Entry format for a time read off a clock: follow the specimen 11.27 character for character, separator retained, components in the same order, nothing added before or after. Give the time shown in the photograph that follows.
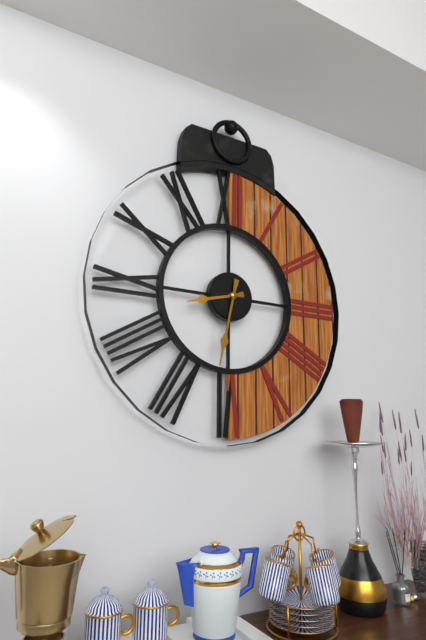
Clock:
8.32
